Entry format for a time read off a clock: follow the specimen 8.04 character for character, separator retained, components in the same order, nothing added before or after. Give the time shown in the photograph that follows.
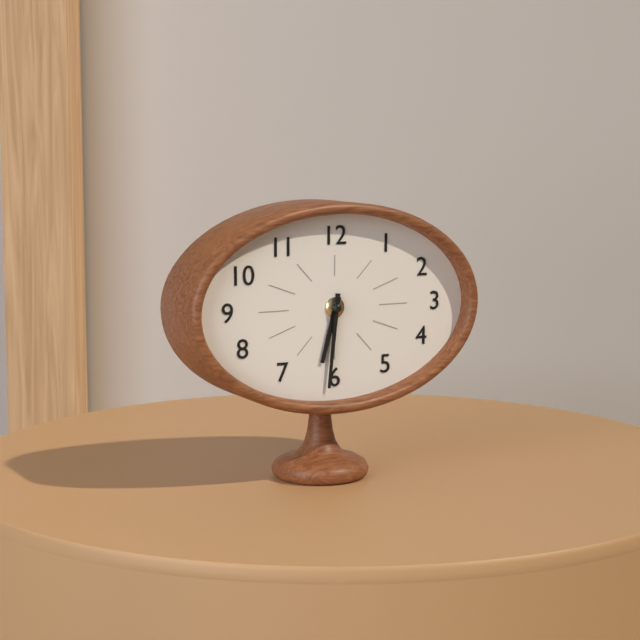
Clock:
6.31
